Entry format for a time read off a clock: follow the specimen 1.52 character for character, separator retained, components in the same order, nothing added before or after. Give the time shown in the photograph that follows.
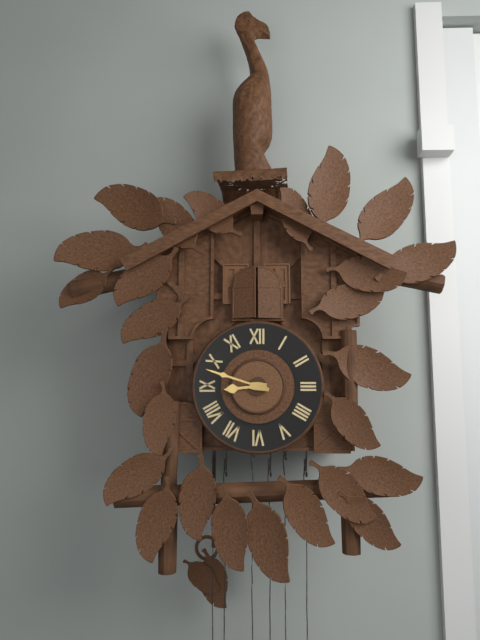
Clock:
8.48
